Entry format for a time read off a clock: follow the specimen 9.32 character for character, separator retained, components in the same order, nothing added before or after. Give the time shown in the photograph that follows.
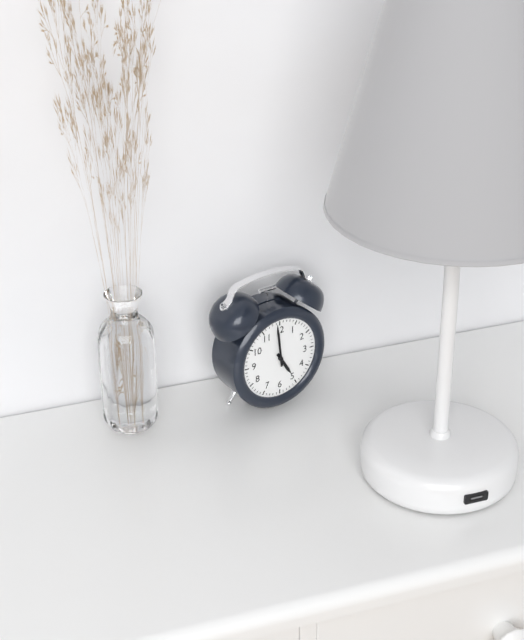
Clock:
4.59
